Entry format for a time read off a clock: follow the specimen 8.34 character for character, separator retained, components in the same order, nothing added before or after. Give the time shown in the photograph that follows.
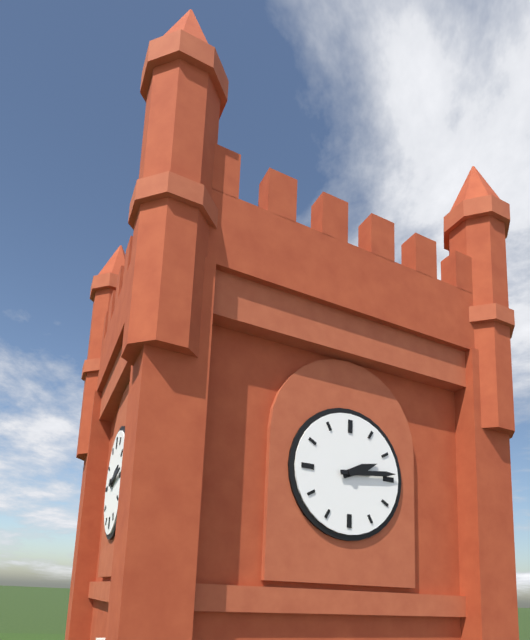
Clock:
2.14
